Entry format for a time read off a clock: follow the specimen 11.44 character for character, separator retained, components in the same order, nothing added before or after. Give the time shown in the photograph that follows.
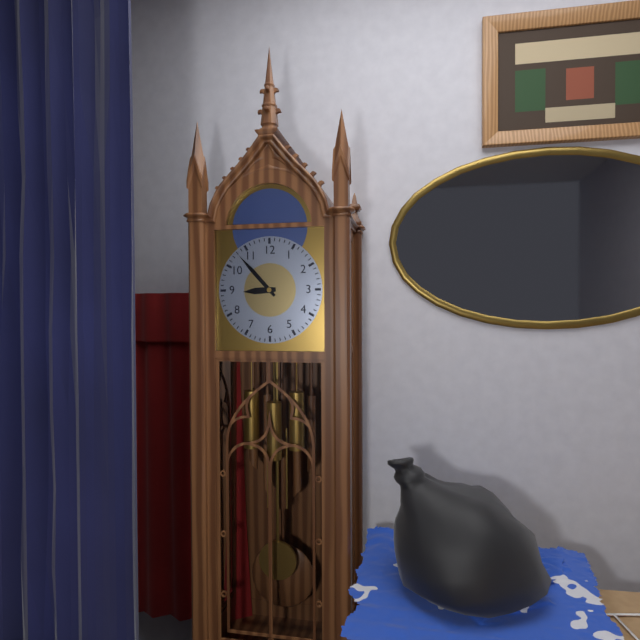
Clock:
8.53
